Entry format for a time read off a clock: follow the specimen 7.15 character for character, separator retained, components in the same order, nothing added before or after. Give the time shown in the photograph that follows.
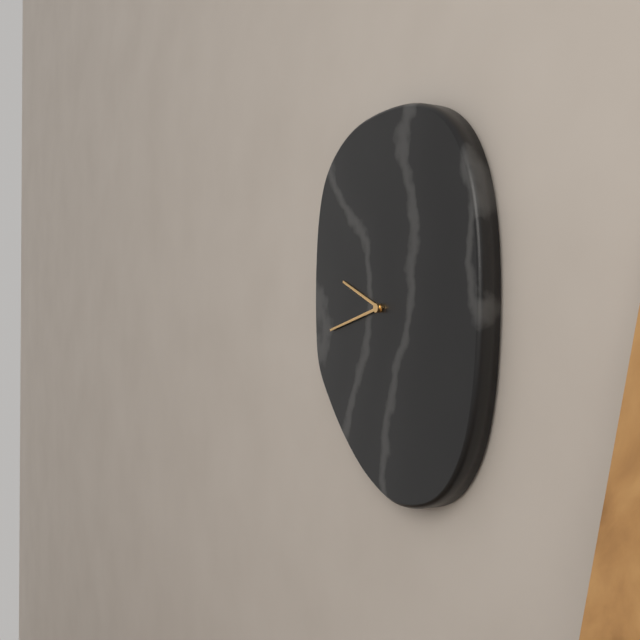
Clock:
9.43
